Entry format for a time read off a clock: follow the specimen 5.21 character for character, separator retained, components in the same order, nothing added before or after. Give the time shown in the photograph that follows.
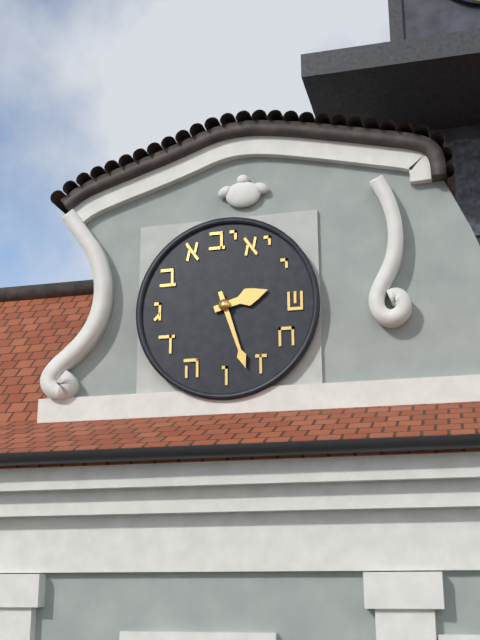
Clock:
2.27
